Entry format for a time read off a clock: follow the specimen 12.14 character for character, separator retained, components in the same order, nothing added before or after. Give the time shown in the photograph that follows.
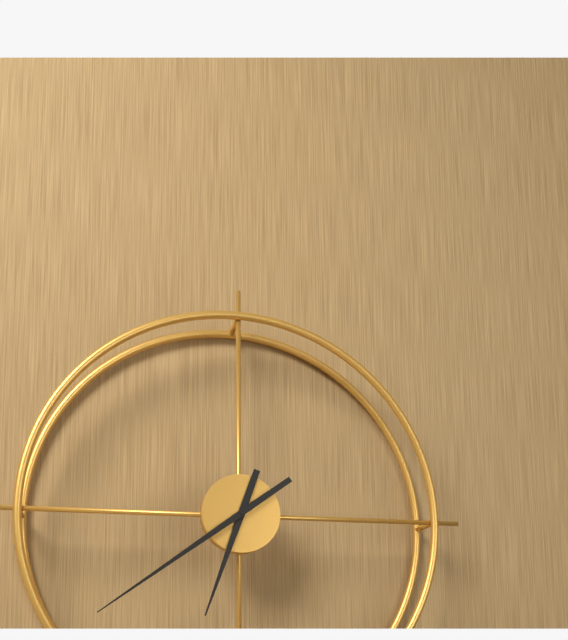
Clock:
6.39
